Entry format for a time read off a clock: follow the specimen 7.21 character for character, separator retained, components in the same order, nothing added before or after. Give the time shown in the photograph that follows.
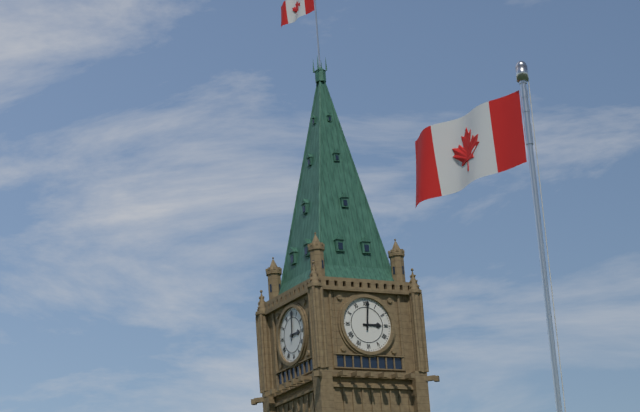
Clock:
3.01
